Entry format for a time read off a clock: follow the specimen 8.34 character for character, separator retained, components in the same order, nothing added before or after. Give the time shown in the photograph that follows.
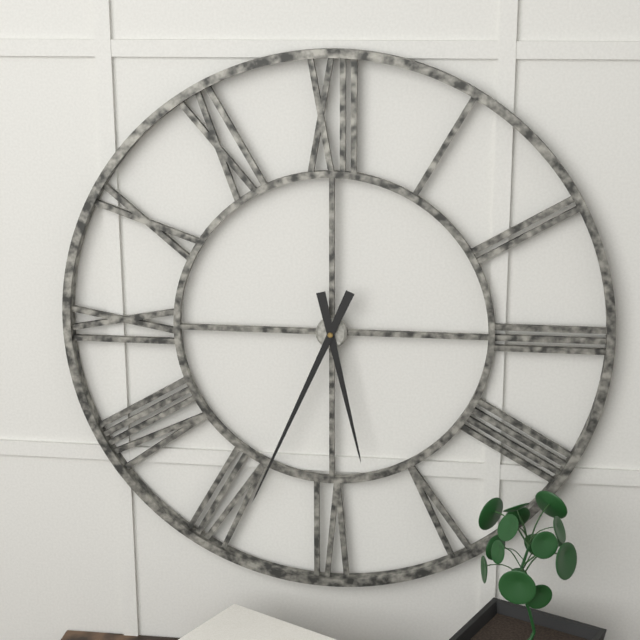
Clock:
5.34
